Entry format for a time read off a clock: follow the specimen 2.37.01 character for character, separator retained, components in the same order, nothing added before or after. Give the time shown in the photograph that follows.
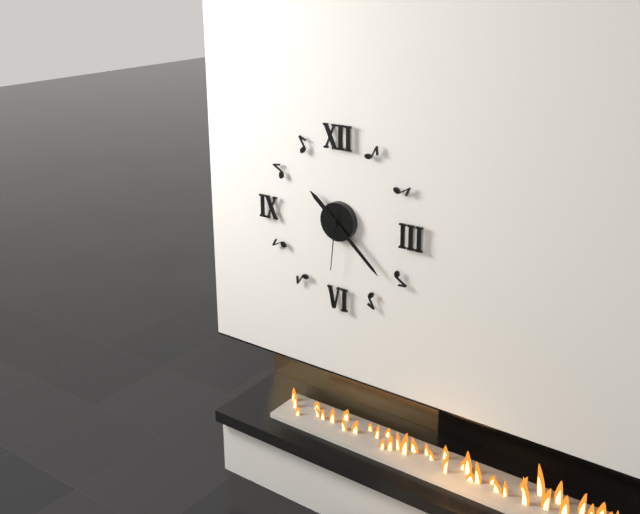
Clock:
10.22.31
